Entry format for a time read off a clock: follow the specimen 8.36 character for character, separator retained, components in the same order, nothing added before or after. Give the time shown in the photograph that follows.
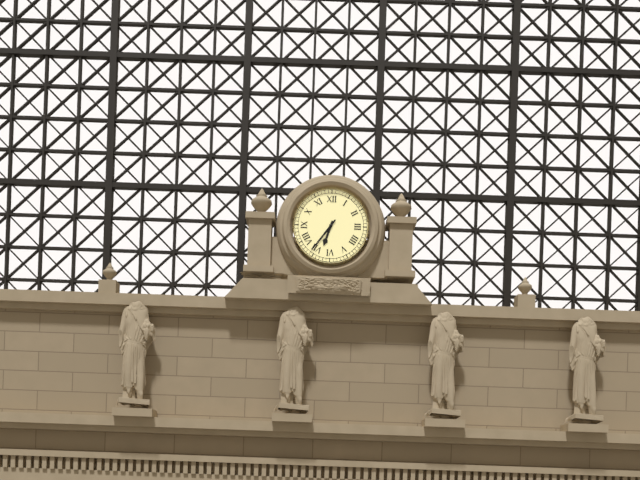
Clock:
6.36
